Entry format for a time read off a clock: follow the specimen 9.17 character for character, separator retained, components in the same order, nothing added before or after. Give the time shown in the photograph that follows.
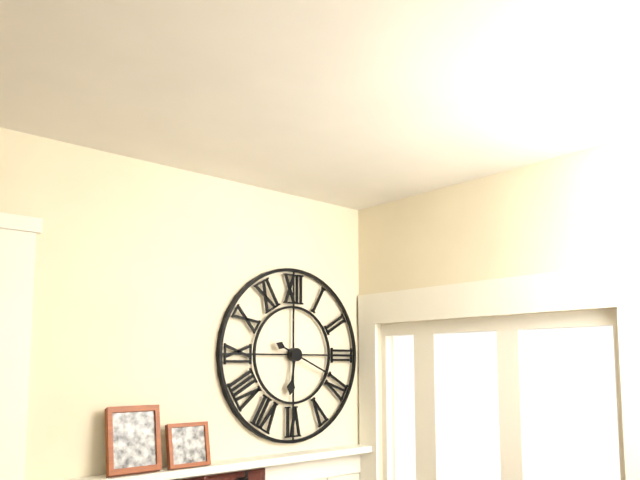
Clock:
6.19
